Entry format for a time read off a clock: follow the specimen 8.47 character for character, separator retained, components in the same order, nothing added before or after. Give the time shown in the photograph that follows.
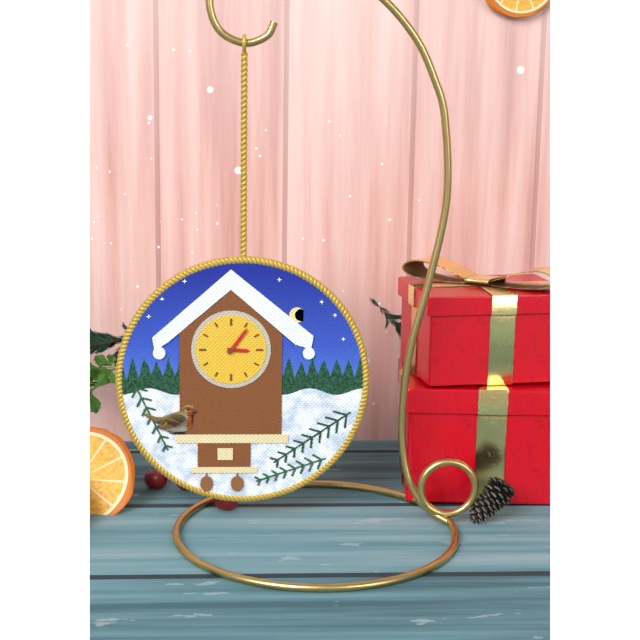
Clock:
3.06
